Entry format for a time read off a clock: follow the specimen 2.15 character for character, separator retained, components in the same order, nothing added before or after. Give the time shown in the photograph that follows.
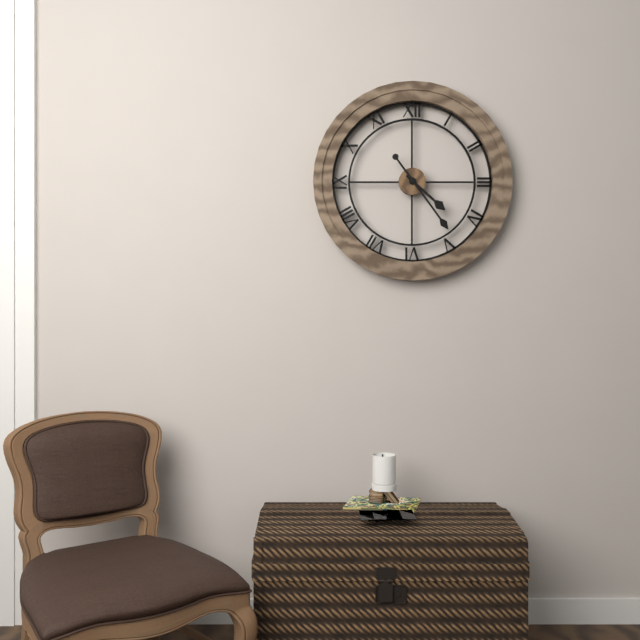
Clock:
4.24
